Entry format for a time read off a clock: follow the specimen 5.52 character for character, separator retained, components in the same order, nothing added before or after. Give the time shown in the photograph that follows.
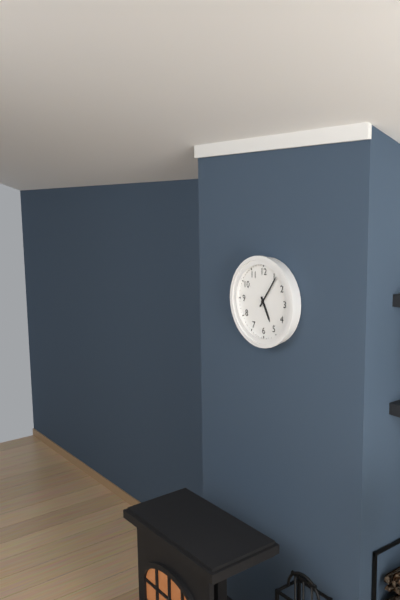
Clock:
5.06
